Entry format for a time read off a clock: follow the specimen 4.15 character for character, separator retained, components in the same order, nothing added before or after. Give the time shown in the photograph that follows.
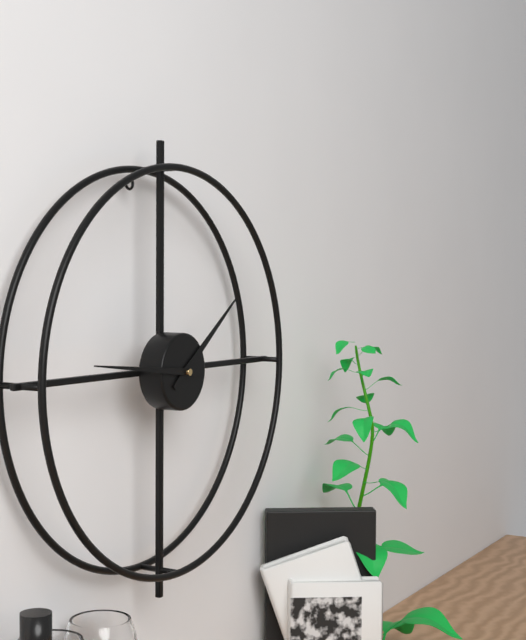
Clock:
1.46
